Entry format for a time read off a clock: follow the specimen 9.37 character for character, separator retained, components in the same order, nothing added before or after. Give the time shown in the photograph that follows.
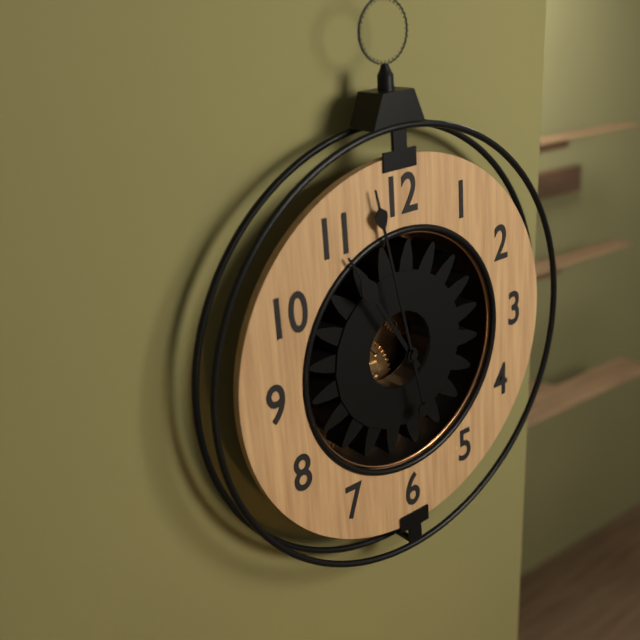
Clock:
10.58
